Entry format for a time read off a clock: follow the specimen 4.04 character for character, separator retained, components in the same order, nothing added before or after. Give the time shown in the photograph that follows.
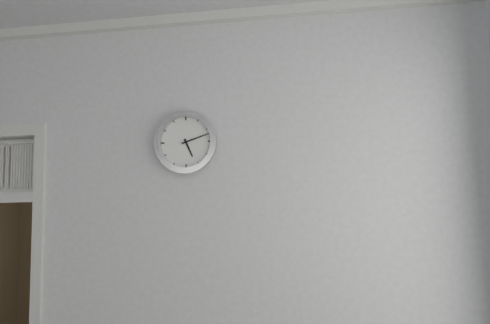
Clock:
5.12
